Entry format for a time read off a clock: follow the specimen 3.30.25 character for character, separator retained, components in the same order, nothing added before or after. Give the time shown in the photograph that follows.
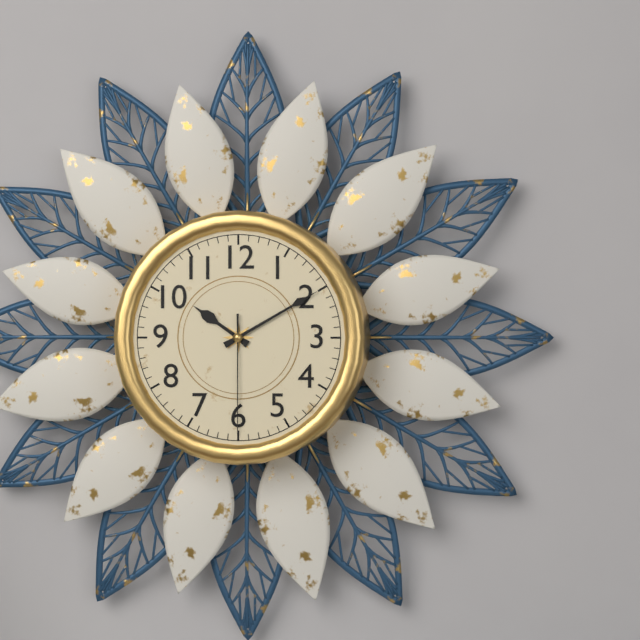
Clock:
10.10.30
